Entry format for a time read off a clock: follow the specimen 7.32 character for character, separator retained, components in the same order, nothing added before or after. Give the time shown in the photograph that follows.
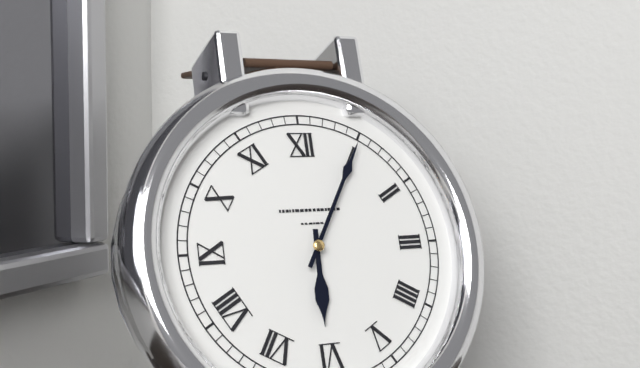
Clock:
6.05
